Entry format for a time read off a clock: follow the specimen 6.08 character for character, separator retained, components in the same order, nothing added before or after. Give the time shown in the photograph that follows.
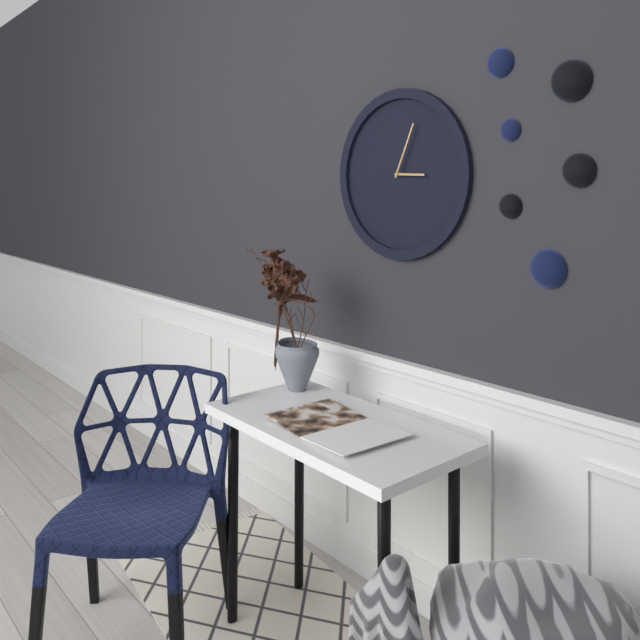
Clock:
3.04
